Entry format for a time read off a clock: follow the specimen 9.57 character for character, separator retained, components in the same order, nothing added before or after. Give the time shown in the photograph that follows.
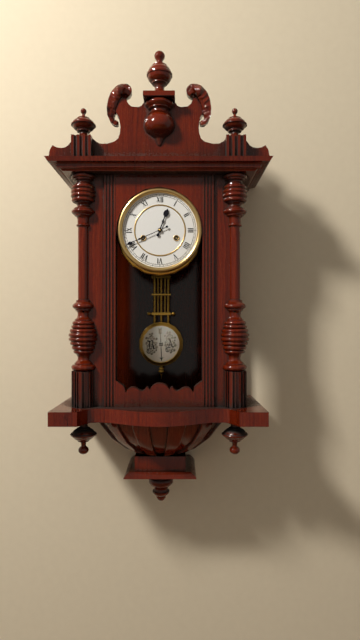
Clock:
12.41
